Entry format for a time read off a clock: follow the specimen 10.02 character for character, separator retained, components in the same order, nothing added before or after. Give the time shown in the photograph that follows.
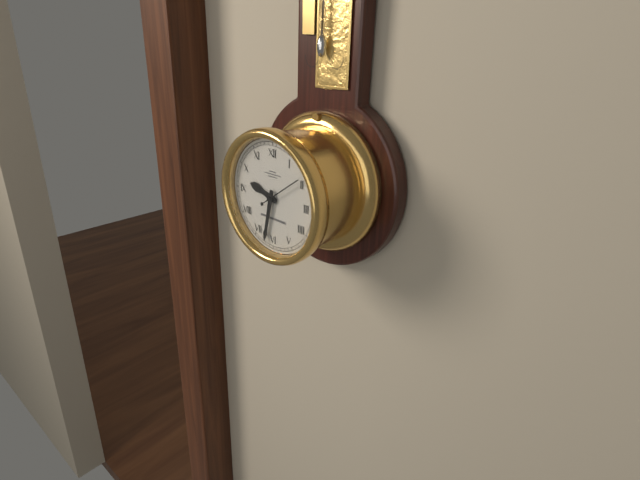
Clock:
9.32
